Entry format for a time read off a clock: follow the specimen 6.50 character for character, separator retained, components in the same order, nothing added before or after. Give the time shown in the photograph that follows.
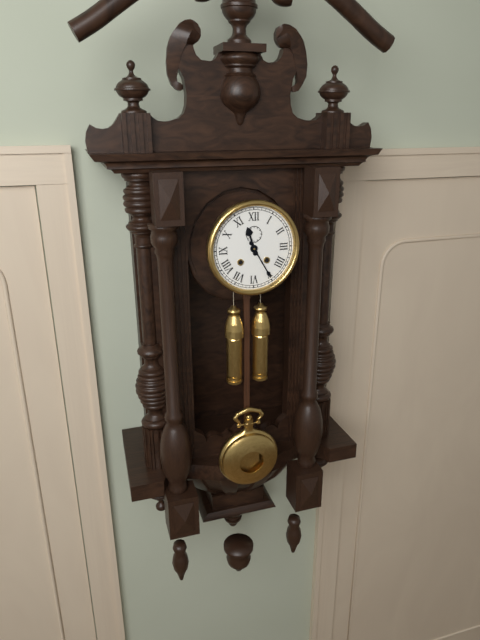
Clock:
11.25
